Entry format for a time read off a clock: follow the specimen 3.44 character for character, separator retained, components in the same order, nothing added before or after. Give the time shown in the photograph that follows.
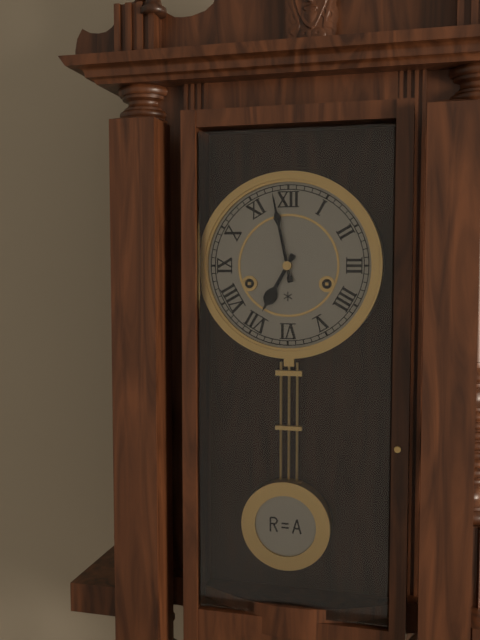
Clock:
6.58
